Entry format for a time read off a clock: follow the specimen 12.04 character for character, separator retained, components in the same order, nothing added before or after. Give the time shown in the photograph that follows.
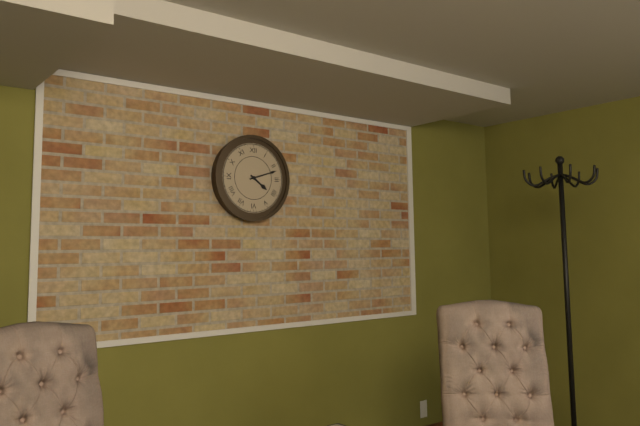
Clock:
4.12
